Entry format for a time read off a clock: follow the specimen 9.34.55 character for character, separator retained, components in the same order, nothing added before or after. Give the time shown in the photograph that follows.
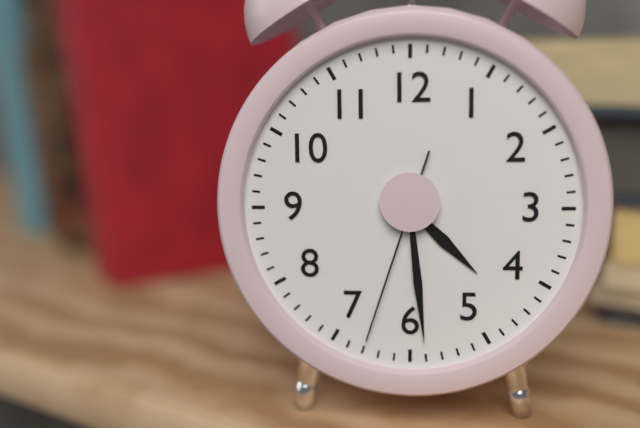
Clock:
4.29.33
